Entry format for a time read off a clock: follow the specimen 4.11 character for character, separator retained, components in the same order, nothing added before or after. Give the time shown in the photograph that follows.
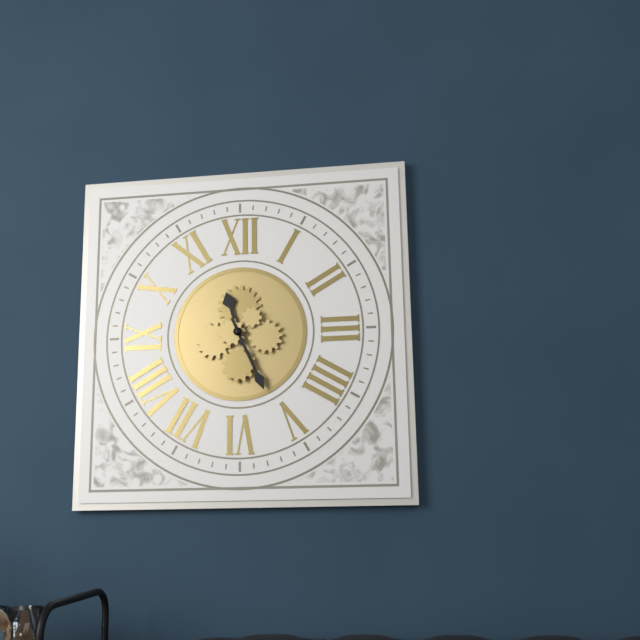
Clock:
11.26
